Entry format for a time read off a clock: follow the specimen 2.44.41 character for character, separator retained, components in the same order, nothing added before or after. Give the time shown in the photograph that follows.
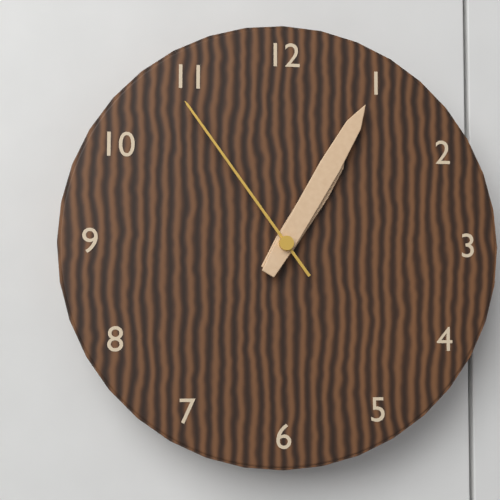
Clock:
1.05.54
